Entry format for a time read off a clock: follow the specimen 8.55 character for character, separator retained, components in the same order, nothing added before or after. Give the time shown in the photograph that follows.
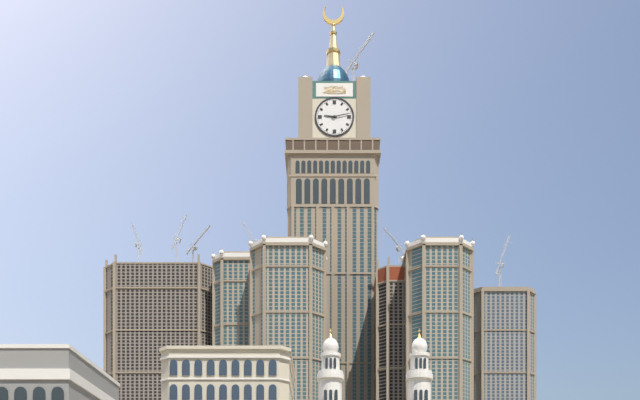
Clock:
9.13
